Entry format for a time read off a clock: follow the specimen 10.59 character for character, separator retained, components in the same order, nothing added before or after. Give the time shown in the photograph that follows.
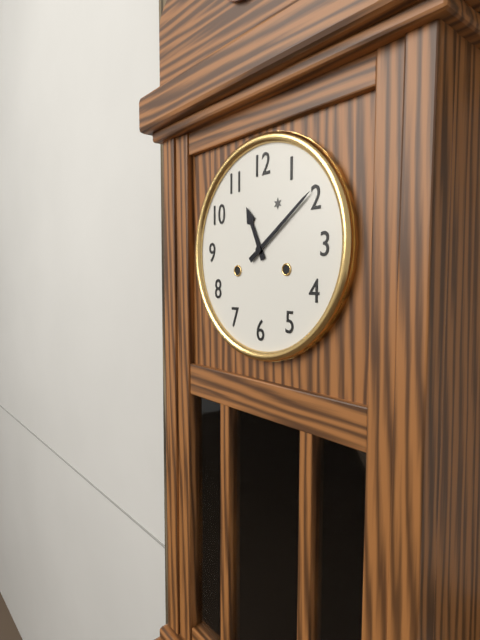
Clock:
11.09
